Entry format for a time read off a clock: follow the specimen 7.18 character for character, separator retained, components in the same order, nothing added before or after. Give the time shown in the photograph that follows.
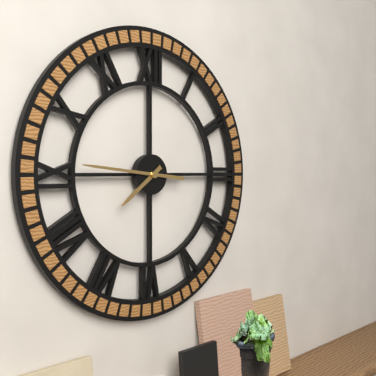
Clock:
7.46
